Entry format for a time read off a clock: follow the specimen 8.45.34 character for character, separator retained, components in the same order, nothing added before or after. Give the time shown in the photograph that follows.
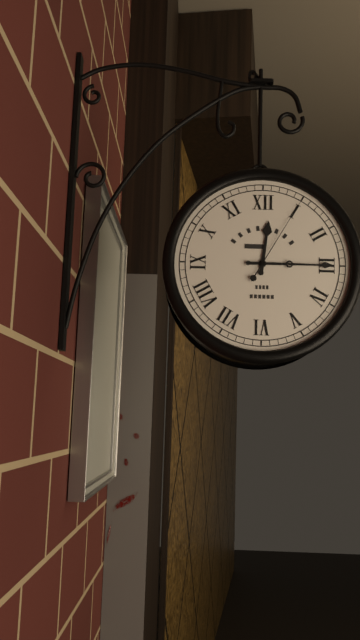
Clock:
12.15.05
